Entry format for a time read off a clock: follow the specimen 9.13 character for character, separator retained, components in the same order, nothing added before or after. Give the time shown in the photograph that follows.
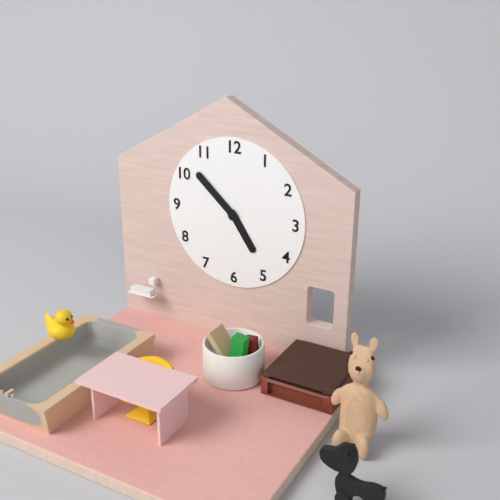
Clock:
4.52
